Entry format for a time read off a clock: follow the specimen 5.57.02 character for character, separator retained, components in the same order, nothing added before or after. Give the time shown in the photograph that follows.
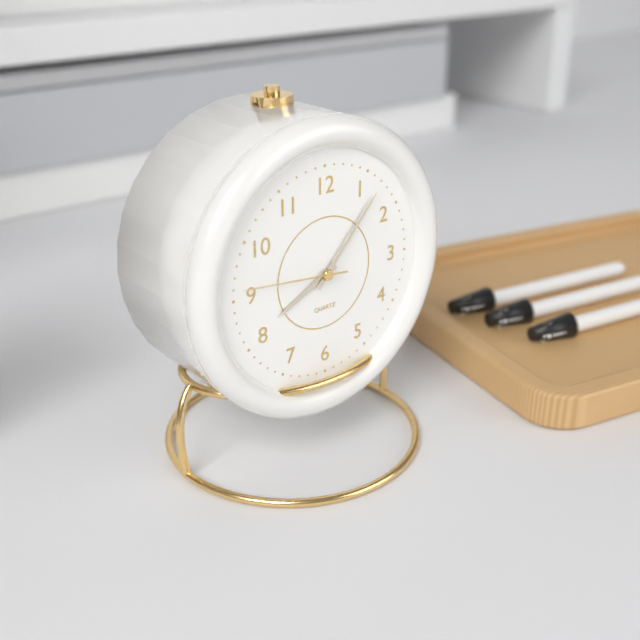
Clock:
8.07.46
